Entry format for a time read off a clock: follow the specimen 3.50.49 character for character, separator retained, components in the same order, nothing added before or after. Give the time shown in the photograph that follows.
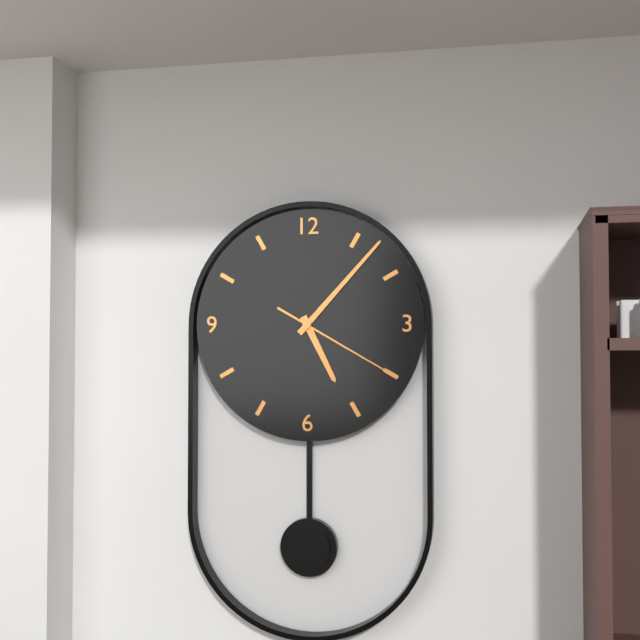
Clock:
5.07.20
